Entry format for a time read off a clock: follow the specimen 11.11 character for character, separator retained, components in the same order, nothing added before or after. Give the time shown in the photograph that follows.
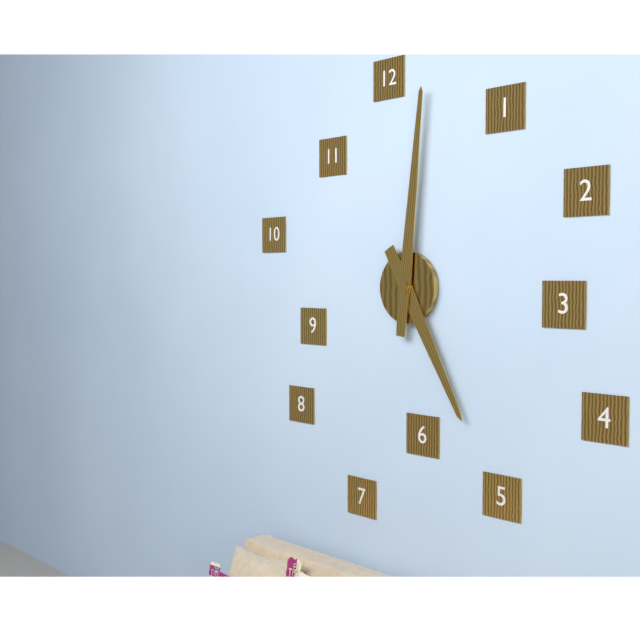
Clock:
5.01
